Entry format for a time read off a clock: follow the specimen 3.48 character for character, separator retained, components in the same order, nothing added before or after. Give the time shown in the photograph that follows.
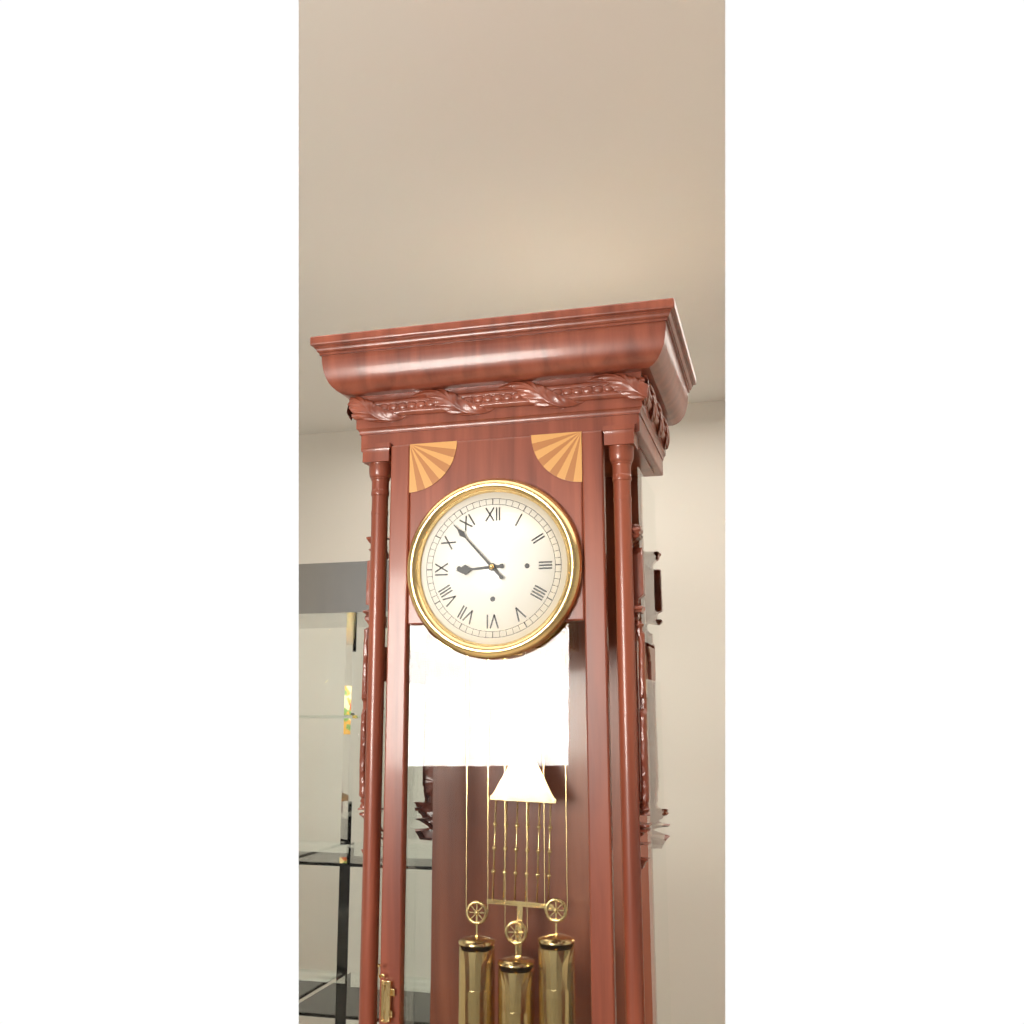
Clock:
8.53
